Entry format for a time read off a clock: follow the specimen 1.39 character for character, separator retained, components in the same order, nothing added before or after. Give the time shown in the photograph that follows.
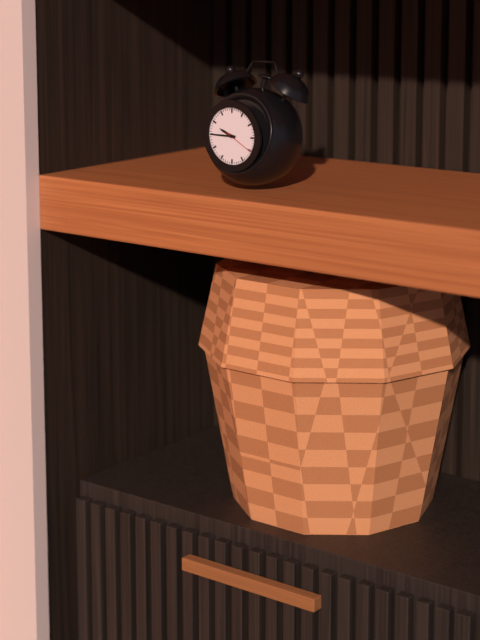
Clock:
9.45
